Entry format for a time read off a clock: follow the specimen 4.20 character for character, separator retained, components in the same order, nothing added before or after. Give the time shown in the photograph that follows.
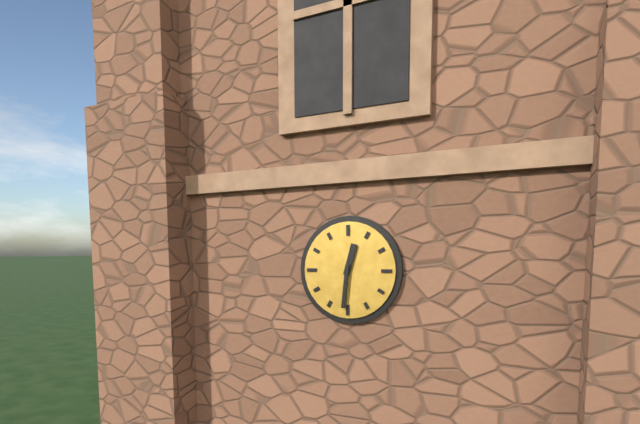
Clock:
12.31
